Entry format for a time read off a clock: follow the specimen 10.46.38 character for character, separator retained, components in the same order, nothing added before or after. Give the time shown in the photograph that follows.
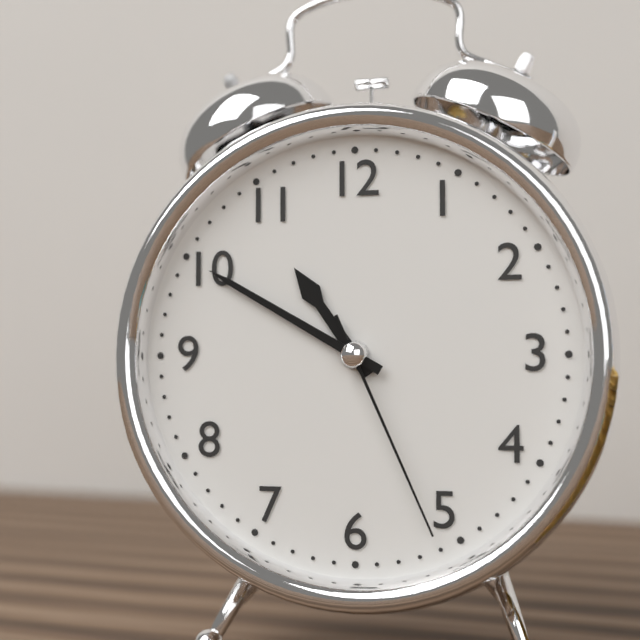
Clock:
10.50.26
